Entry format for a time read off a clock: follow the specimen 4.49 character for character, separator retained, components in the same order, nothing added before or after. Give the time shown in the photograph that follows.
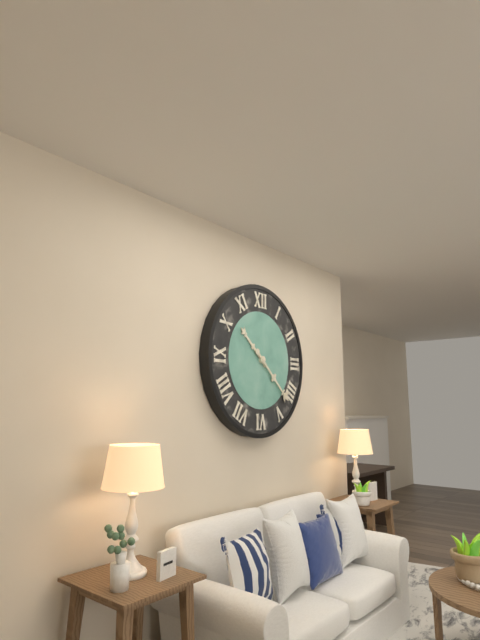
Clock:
10.22
